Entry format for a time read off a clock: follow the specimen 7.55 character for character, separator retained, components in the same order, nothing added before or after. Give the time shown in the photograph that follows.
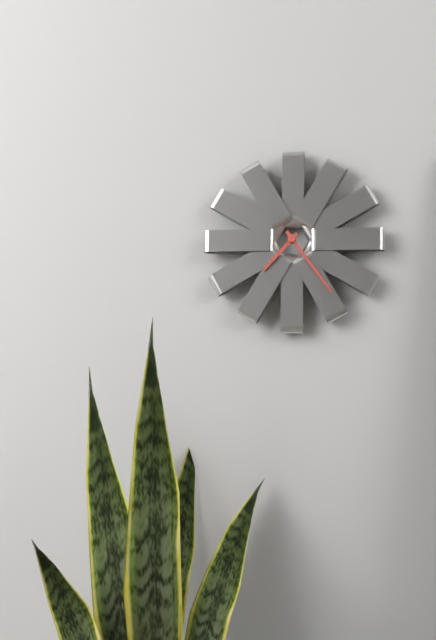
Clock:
7.24
